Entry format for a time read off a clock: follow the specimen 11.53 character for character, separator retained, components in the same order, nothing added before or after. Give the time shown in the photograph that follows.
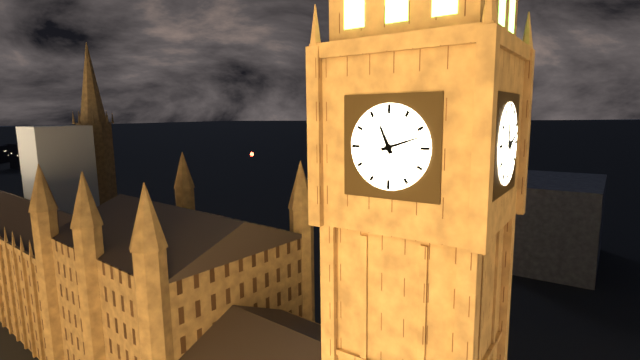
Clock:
11.12
